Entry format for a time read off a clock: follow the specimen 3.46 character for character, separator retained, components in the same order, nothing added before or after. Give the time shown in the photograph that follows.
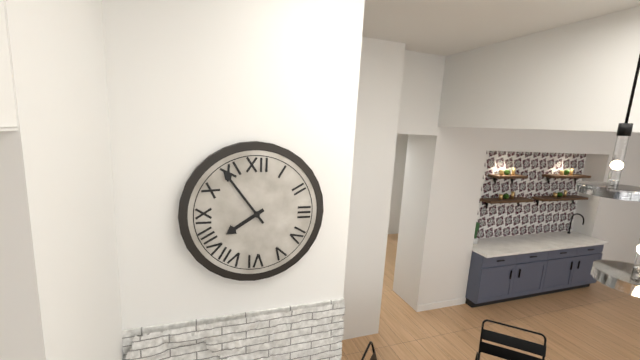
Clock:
7.54
